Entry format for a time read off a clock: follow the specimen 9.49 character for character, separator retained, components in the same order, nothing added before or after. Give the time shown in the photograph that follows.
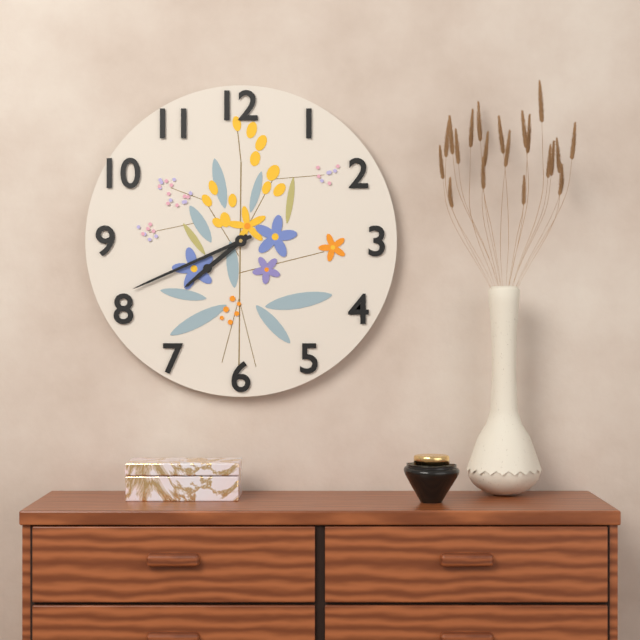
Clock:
7.41
